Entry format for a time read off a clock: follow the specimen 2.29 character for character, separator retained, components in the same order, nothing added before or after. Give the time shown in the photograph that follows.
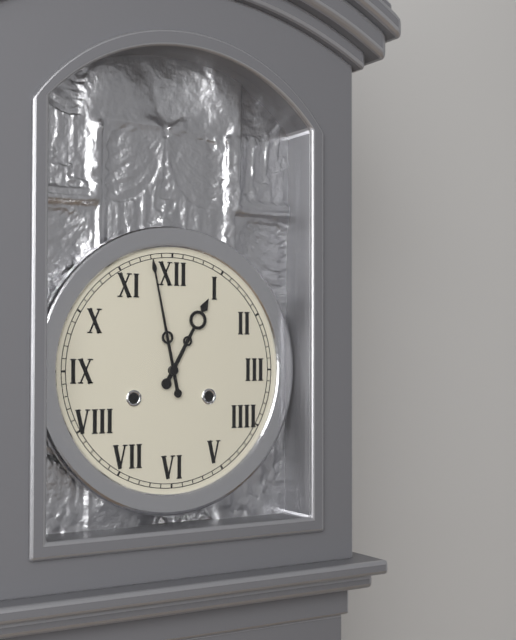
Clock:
12.58
